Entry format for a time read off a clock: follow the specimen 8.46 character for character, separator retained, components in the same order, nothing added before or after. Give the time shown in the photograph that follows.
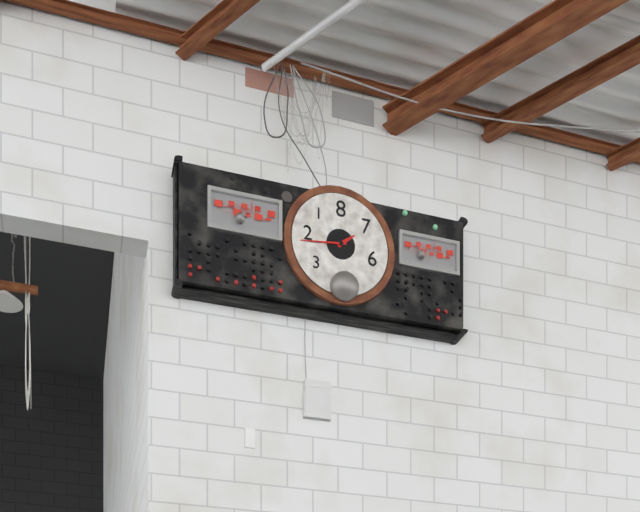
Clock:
1.44
